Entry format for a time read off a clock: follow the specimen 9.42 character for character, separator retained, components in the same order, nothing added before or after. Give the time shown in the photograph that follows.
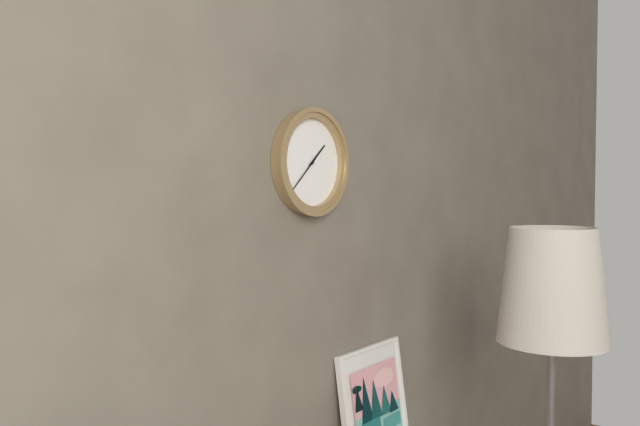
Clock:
1.38
